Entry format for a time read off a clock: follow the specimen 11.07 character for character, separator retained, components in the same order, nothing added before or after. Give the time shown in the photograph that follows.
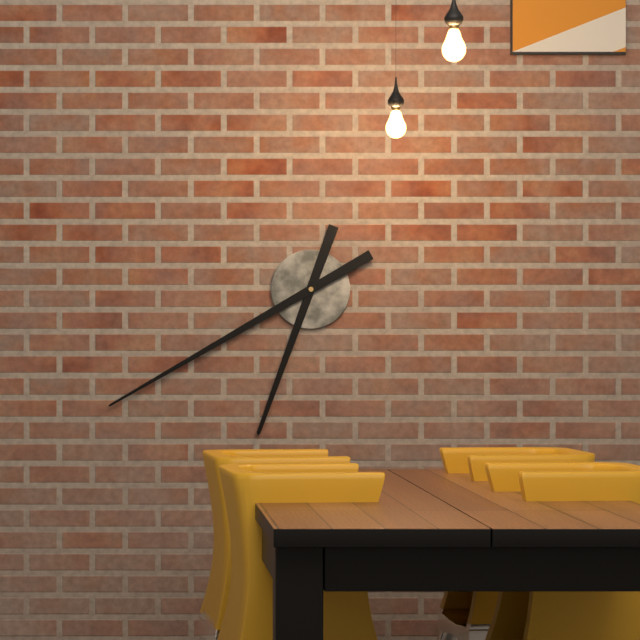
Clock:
6.40
